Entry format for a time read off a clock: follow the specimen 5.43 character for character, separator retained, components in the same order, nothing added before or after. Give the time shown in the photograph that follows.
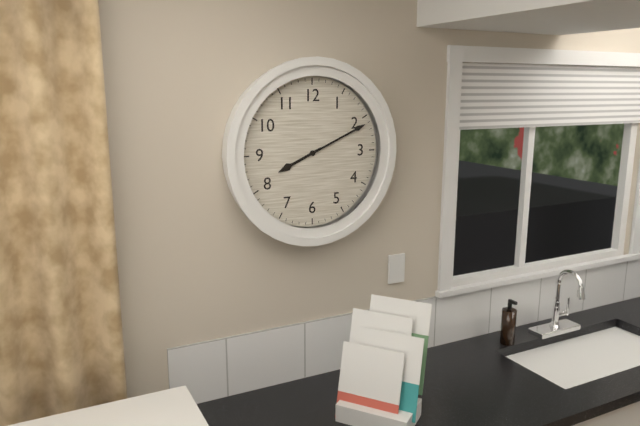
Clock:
8.11
